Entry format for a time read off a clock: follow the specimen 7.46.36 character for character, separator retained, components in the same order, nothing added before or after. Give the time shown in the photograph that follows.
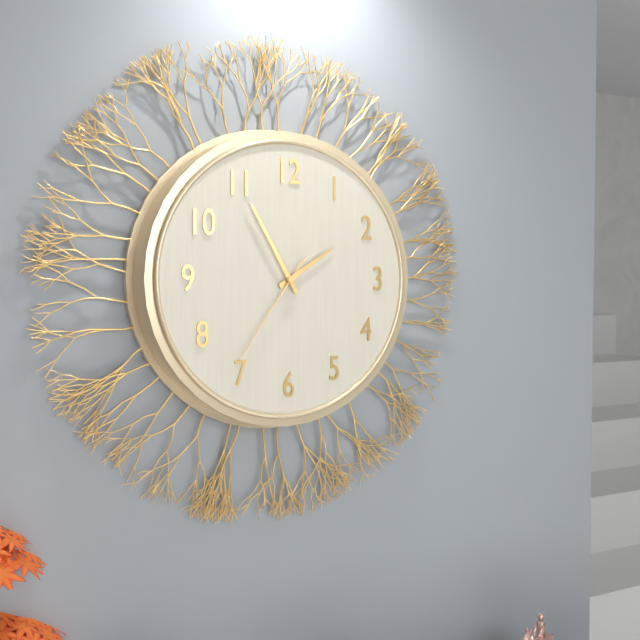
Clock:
1.55.36
